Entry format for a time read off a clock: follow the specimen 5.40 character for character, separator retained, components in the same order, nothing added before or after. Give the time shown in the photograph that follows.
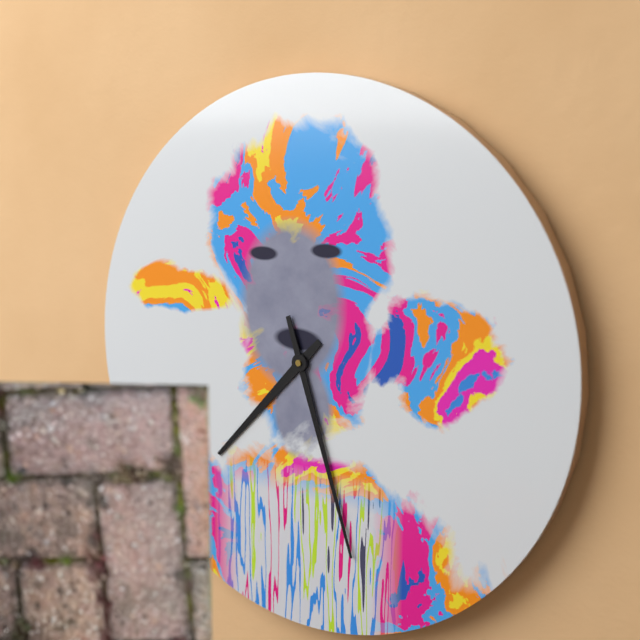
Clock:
7.27
